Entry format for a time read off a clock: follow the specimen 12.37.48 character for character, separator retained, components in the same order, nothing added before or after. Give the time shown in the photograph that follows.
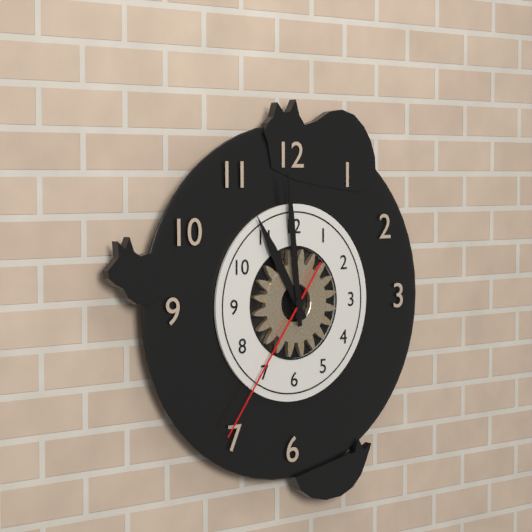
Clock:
10.59.36
